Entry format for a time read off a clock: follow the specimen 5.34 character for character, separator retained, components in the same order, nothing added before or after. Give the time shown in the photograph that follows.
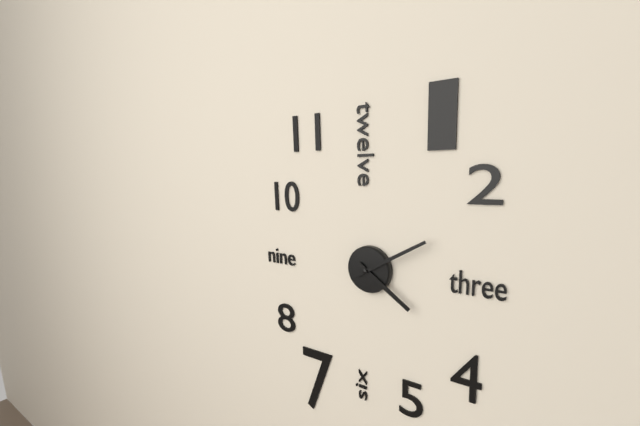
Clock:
4.10
